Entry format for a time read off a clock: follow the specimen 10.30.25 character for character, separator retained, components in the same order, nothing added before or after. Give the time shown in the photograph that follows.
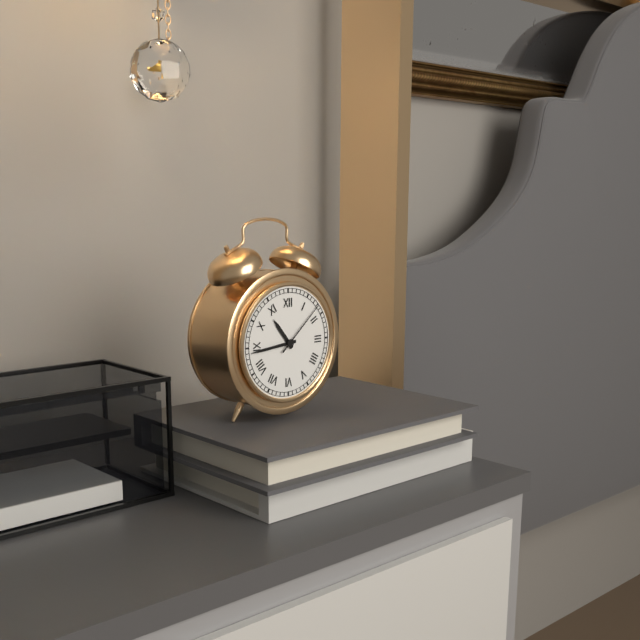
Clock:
10.44.08
